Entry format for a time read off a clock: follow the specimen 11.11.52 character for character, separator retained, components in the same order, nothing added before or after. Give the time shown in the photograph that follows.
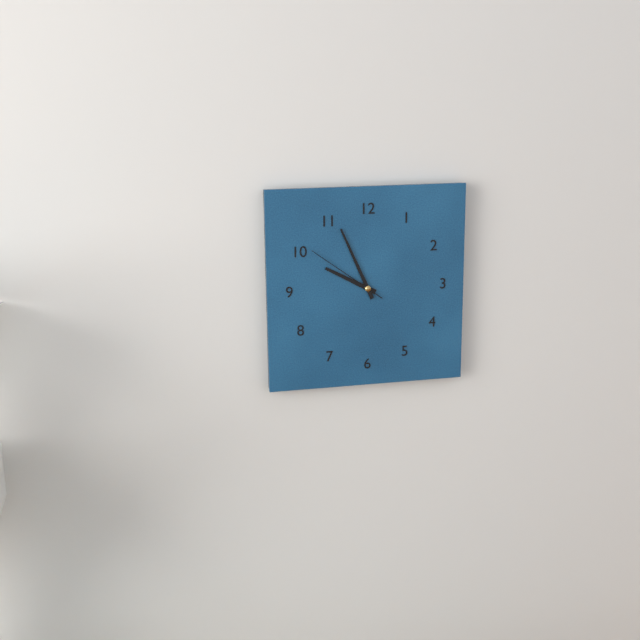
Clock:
9.56.51
